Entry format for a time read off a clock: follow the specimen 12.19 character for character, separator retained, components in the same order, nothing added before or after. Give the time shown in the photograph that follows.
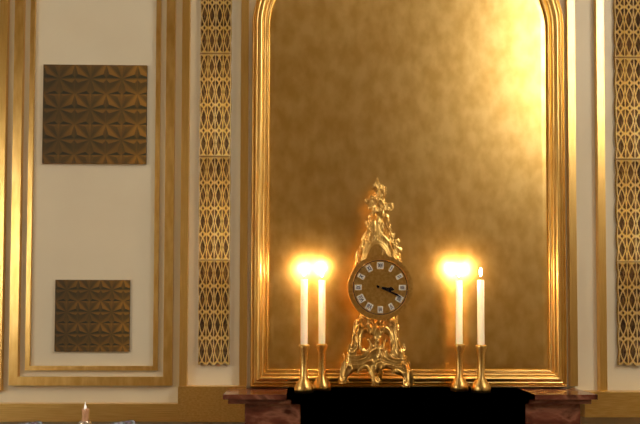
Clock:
3.19
